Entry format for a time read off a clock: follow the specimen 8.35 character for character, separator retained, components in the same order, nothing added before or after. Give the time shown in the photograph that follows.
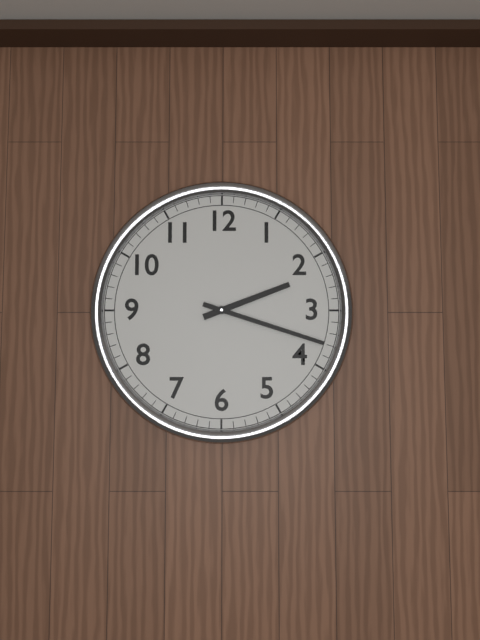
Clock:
2.18
